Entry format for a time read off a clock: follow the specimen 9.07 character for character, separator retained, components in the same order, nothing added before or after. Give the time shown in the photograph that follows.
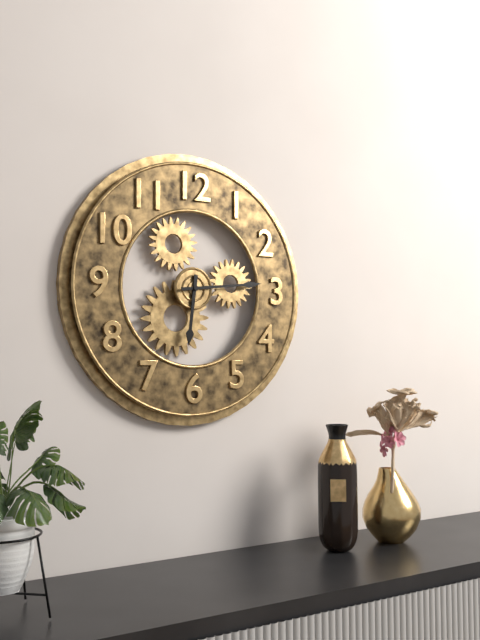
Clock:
6.14
